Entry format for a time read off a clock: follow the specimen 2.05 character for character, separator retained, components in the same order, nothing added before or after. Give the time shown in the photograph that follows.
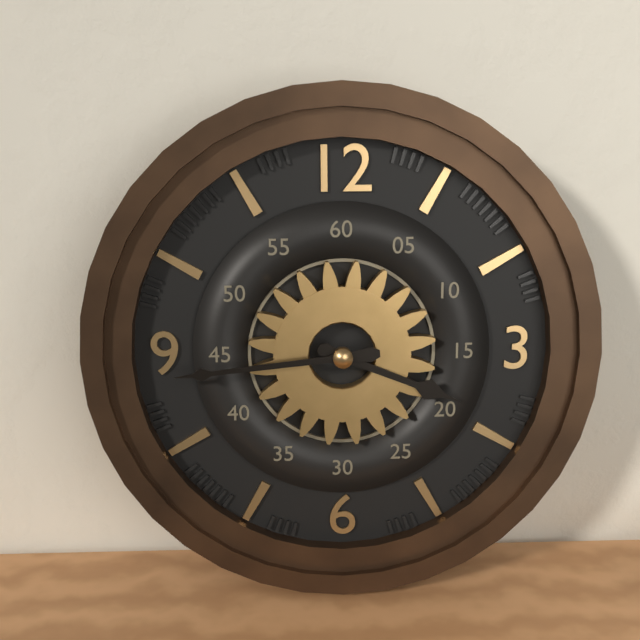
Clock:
3.44
